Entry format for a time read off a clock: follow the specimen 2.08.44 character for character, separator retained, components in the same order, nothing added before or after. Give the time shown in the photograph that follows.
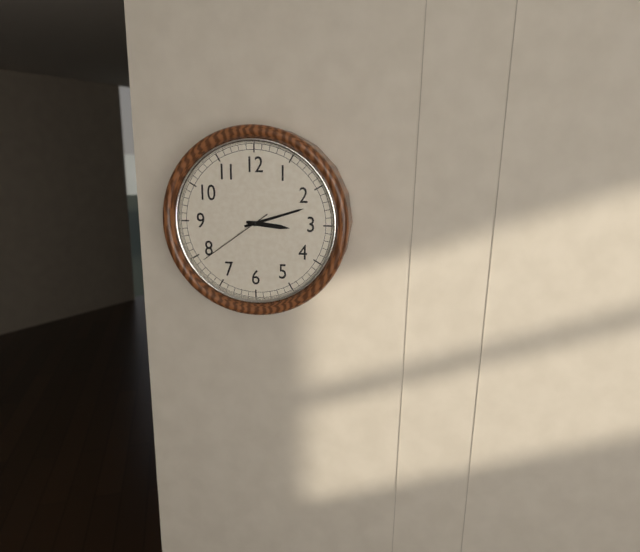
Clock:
3.12.39
